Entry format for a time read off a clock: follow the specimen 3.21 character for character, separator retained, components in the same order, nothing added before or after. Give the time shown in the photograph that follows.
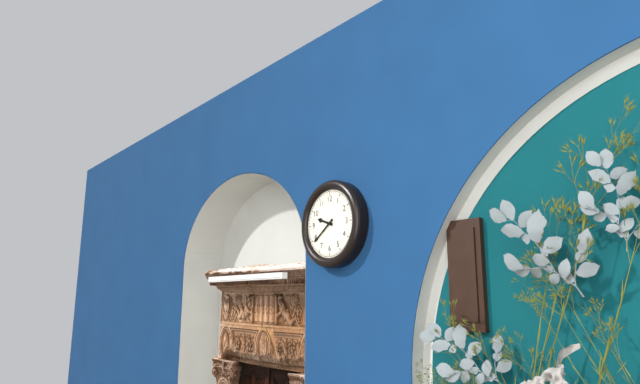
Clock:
9.39
